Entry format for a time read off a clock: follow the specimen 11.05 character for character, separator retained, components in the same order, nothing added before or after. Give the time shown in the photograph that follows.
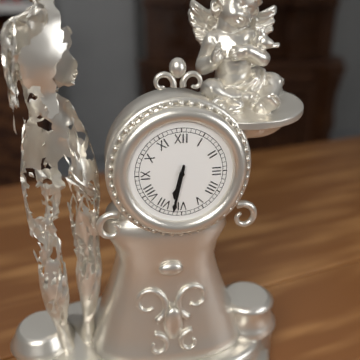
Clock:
6.32
